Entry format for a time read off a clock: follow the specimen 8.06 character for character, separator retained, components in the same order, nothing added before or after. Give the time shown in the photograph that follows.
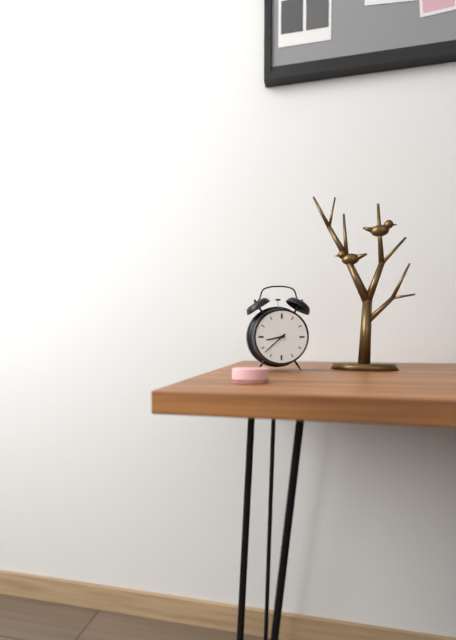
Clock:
8.38
